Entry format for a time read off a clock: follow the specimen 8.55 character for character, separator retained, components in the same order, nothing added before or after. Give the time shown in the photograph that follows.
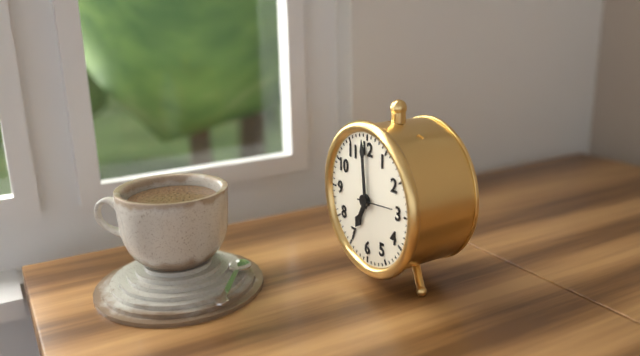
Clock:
6.59
